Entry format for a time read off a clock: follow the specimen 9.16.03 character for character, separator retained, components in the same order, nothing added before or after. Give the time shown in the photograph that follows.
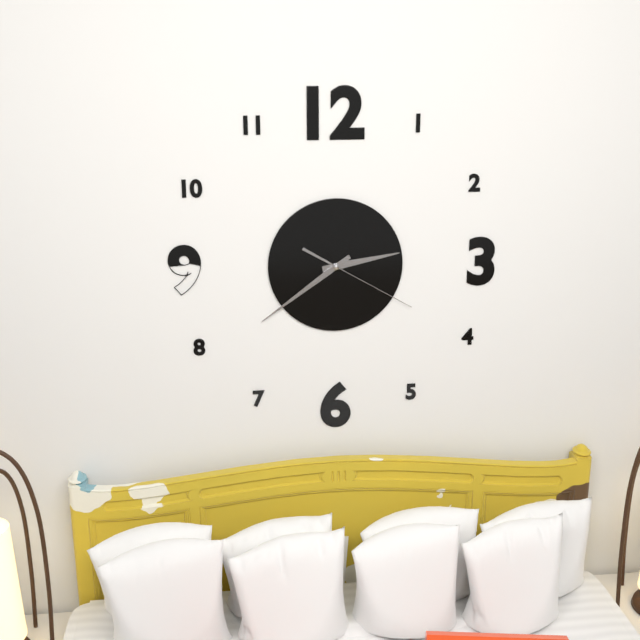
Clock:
2.39.20
